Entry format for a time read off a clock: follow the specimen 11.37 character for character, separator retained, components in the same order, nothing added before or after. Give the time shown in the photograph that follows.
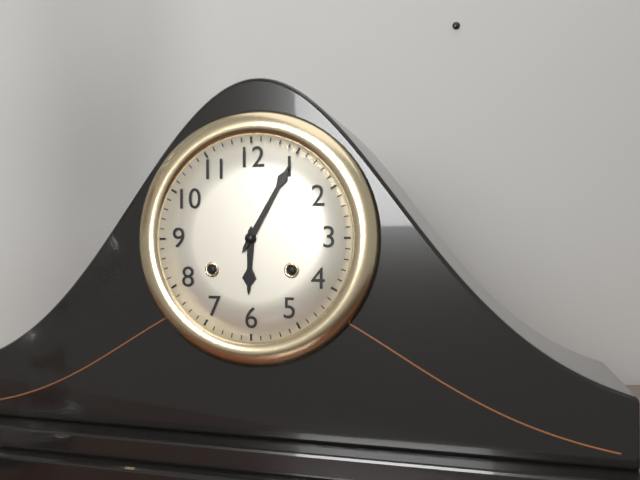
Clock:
6.05
